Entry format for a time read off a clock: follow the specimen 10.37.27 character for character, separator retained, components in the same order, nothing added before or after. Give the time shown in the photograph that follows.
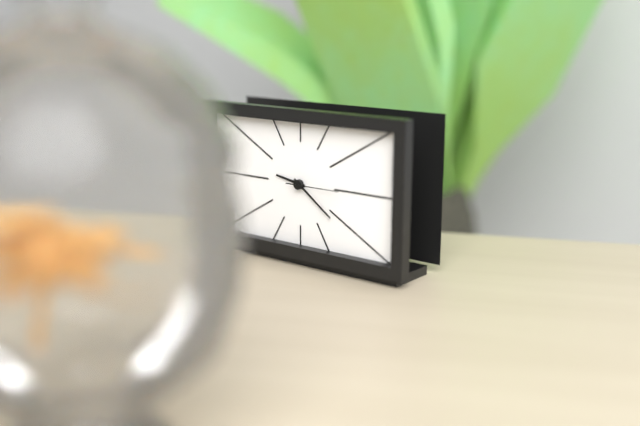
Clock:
9.21.15
